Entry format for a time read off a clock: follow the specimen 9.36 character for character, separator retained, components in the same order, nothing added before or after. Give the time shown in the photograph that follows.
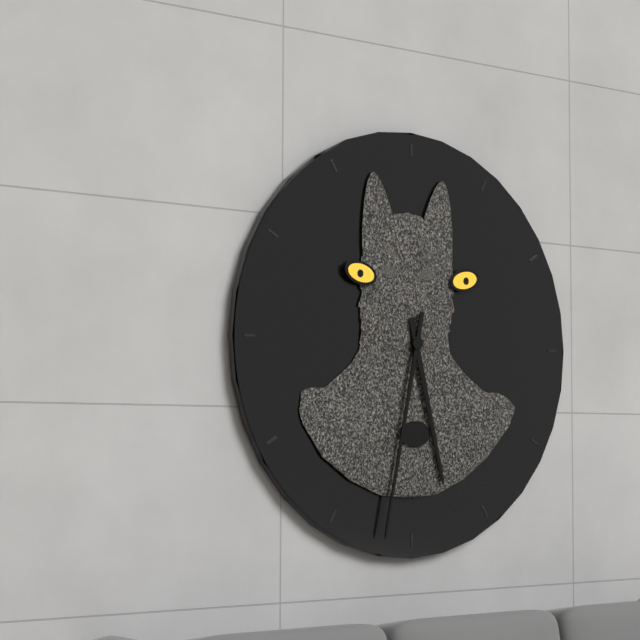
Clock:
5.32
